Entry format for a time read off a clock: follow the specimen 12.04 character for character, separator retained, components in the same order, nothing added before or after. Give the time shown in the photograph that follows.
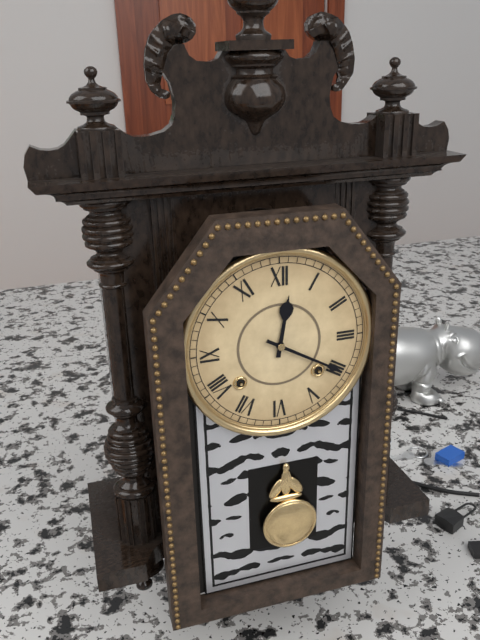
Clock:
12.20
